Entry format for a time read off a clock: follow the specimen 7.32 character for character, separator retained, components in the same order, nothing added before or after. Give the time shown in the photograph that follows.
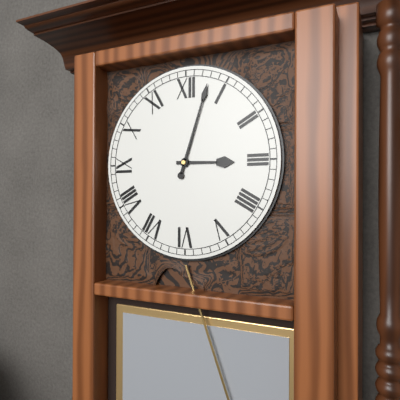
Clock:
3.03
